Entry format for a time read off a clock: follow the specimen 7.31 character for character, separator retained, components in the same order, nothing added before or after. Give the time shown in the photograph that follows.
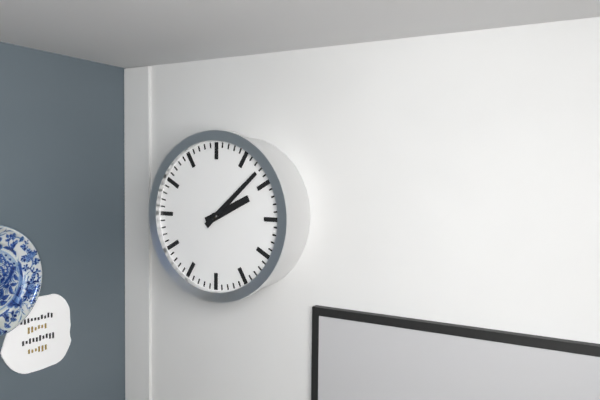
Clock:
2.08
